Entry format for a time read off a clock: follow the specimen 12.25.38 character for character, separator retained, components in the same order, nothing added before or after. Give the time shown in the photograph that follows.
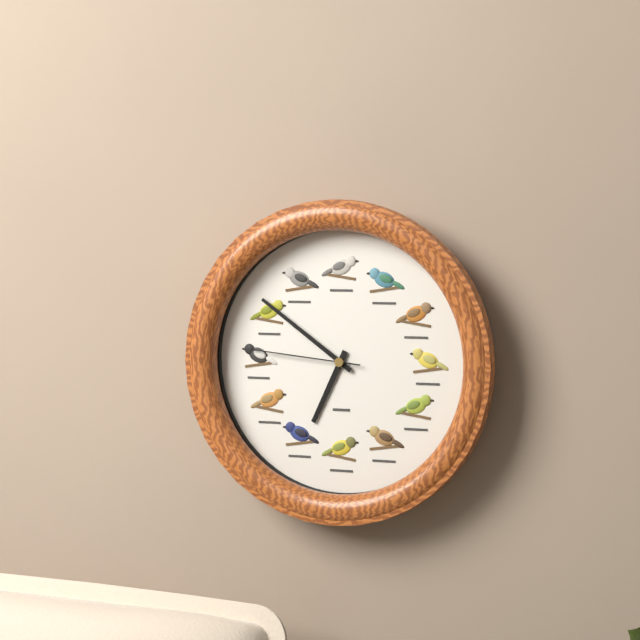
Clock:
6.51.46
